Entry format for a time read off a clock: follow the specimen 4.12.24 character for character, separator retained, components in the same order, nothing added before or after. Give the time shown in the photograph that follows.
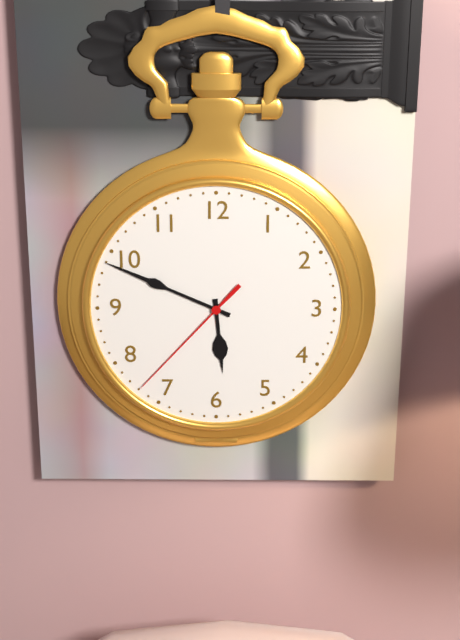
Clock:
5.49.37
